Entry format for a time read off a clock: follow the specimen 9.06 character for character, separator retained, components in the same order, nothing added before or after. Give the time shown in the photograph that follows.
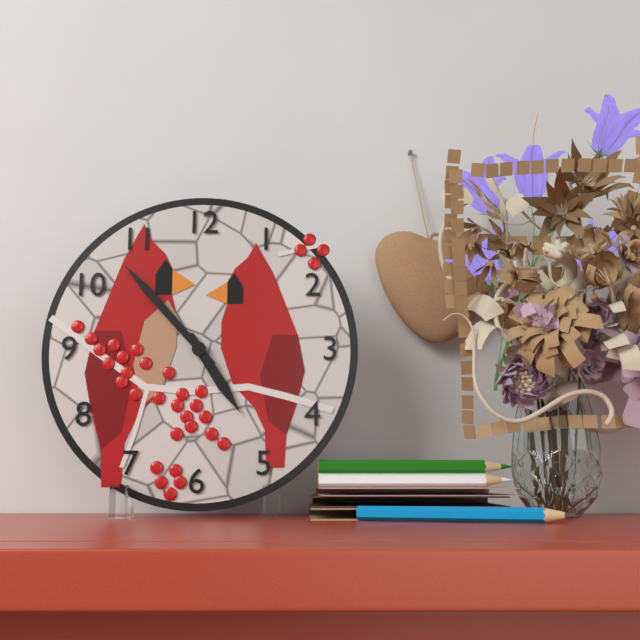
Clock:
4.53
